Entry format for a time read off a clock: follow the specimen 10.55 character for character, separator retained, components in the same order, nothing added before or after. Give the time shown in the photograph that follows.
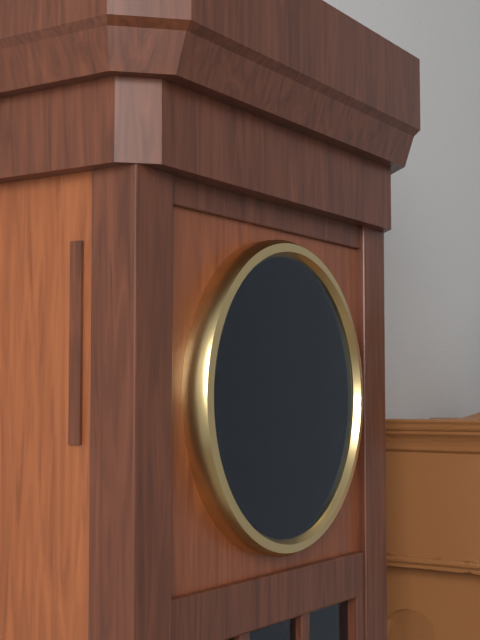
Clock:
5.08
